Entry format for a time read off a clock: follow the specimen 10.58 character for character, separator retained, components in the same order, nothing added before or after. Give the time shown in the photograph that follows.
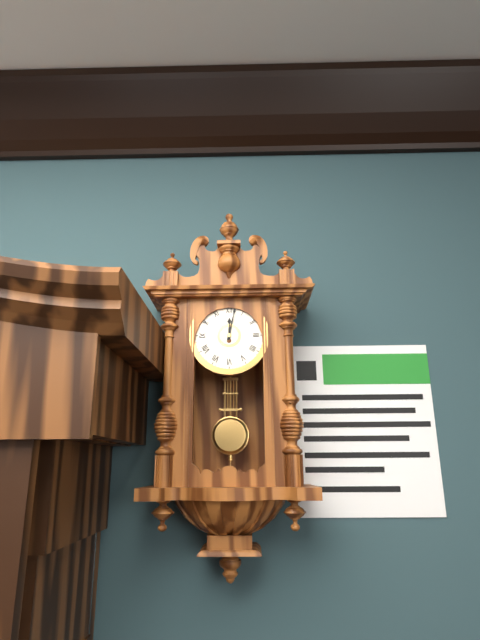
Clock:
12.02
